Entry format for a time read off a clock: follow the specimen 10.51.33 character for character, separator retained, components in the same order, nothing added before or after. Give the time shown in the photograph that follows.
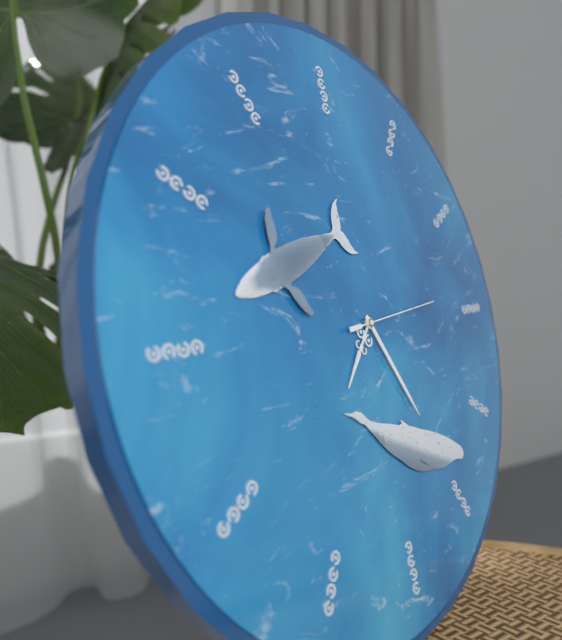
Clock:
7.25.14
